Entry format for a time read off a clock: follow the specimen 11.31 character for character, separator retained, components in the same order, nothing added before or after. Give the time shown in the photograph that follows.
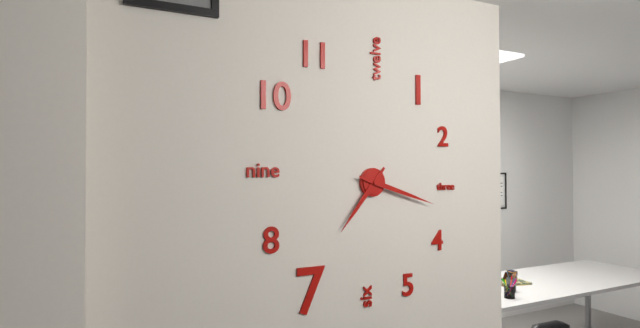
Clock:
7.18
